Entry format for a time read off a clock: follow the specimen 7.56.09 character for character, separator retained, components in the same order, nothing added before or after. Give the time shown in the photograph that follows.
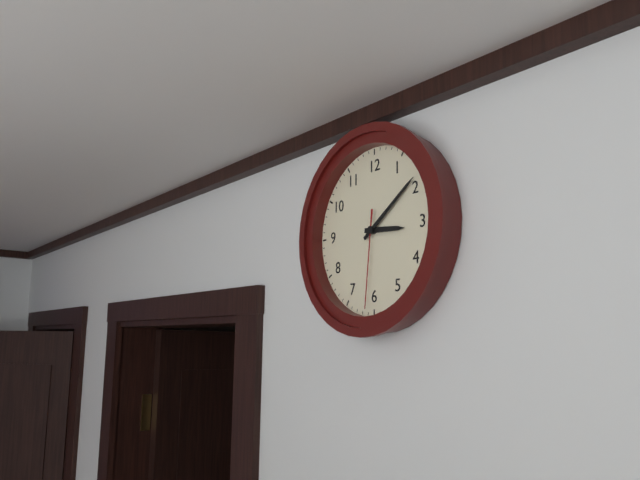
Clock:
3.09.31
